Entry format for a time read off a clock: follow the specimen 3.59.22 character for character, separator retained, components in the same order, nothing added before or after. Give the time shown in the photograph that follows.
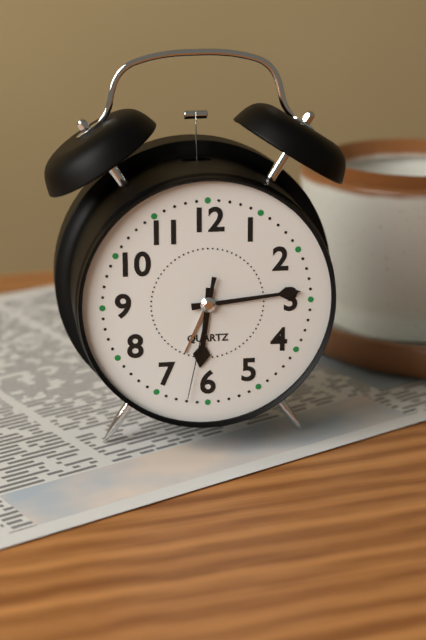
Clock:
6.14.32
